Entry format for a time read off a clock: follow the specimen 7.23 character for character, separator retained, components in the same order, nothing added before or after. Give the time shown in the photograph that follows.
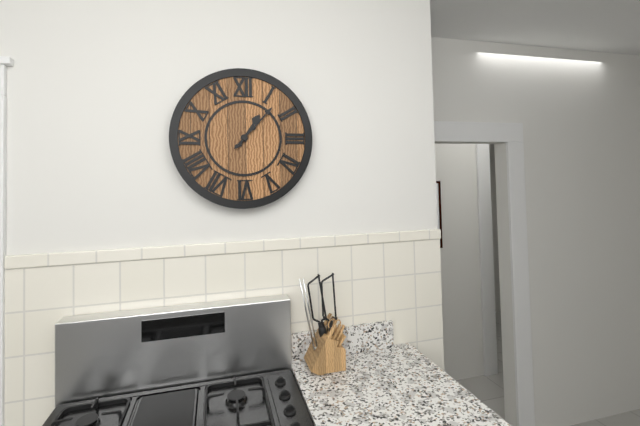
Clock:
1.07
